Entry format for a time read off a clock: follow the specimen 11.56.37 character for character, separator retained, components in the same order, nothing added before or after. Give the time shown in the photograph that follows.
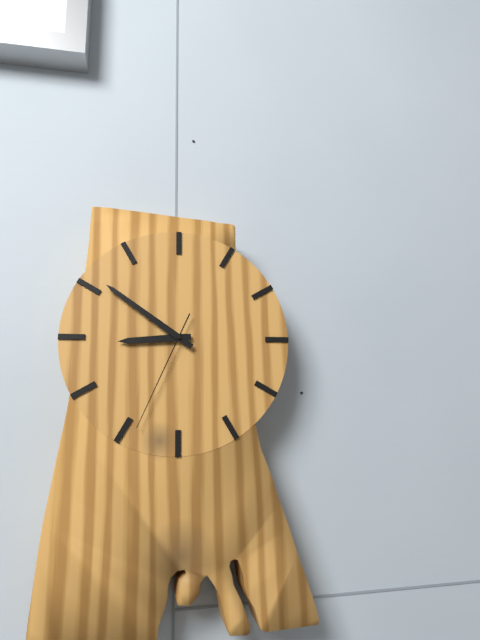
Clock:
8.51.34
